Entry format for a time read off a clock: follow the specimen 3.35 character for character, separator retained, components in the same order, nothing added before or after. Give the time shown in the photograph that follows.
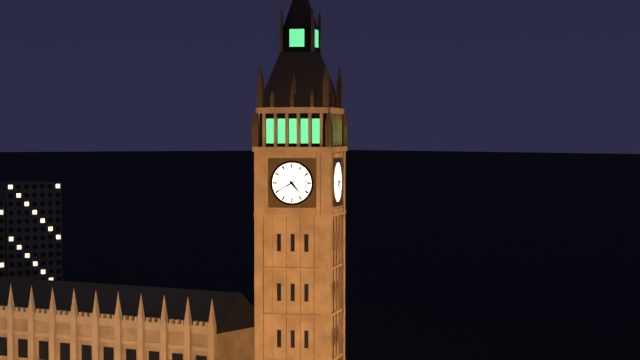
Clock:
4.40
